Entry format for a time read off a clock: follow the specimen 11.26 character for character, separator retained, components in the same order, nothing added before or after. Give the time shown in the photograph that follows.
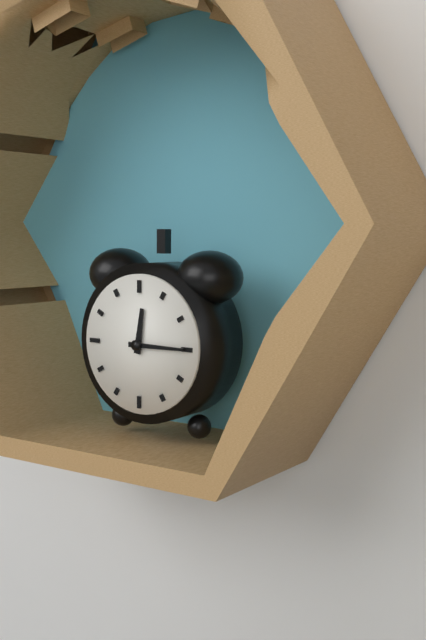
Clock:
12.15
